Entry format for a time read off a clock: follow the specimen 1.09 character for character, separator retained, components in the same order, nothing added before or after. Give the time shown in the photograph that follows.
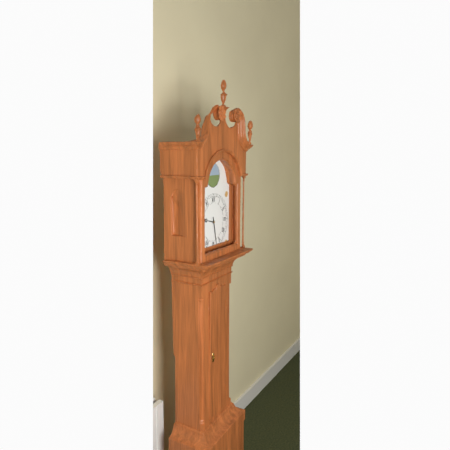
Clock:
9.28
